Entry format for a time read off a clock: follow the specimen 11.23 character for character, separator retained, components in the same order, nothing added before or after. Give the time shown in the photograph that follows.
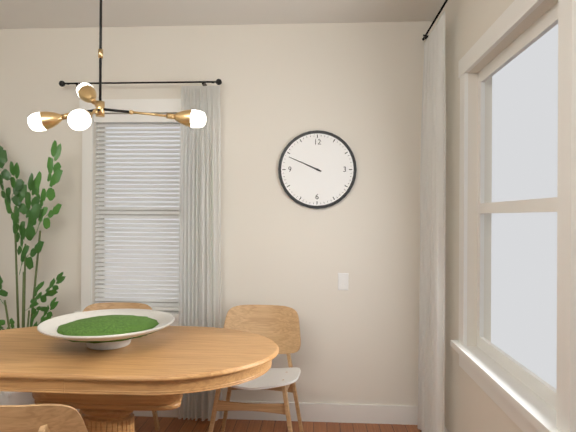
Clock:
9.49
